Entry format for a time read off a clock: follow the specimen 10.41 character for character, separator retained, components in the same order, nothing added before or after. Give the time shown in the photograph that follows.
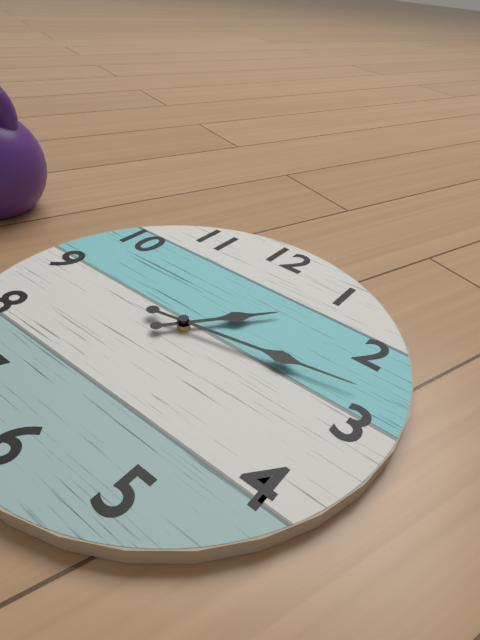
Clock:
1.13
